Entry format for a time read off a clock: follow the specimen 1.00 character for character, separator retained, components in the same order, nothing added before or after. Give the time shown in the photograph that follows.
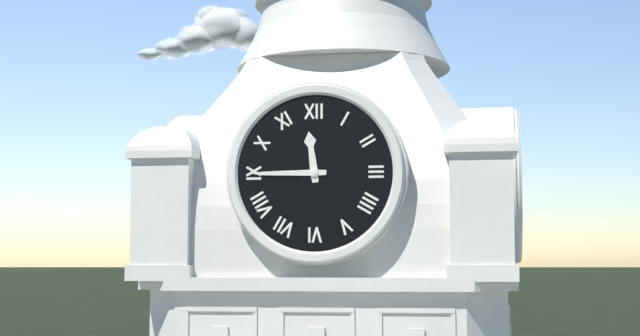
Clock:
11.45
